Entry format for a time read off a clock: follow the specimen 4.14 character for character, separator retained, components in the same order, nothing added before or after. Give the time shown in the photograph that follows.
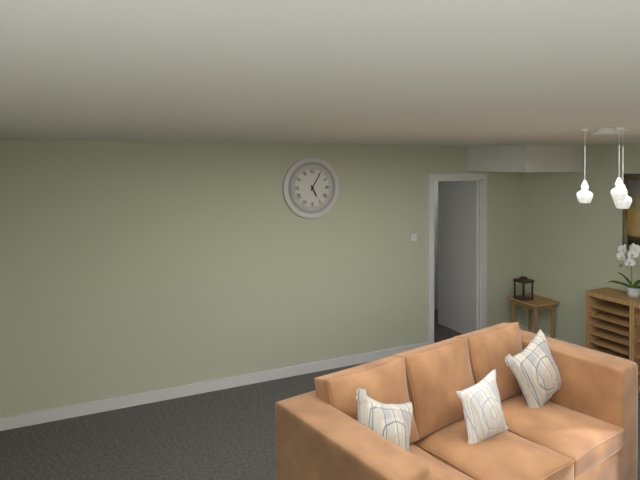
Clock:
5.05
